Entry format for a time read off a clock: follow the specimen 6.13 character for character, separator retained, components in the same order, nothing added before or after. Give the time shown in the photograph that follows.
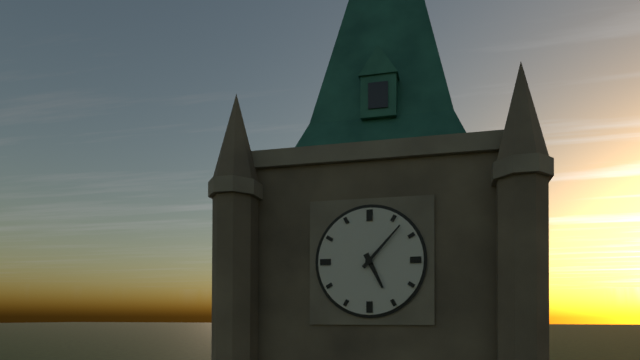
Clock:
5.07
